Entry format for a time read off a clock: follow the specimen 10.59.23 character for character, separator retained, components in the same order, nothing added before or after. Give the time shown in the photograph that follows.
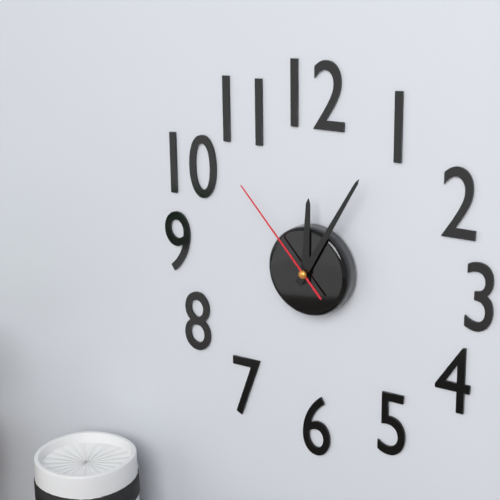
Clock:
12.05.53
